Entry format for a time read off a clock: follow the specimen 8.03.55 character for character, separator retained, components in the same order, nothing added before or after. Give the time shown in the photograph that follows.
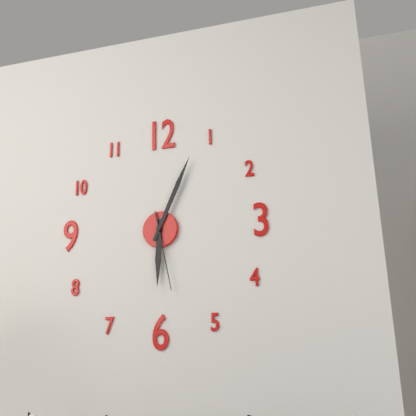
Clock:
6.04.28
